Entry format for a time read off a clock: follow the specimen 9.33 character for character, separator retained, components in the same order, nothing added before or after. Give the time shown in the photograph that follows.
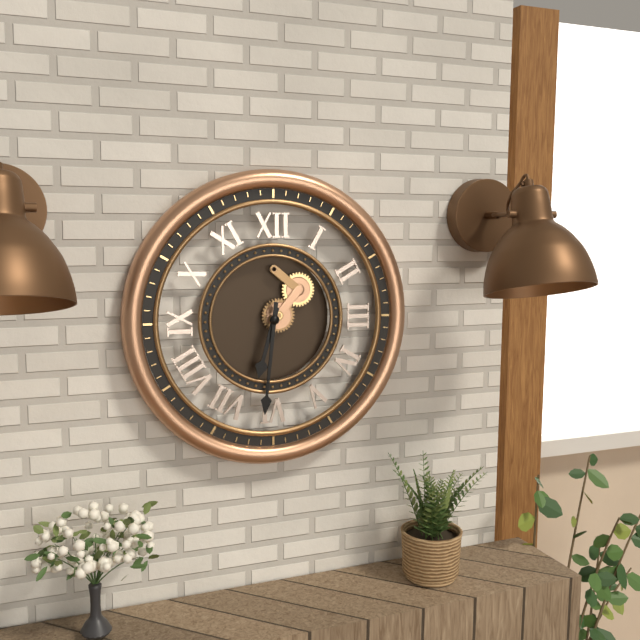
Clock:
6.31
